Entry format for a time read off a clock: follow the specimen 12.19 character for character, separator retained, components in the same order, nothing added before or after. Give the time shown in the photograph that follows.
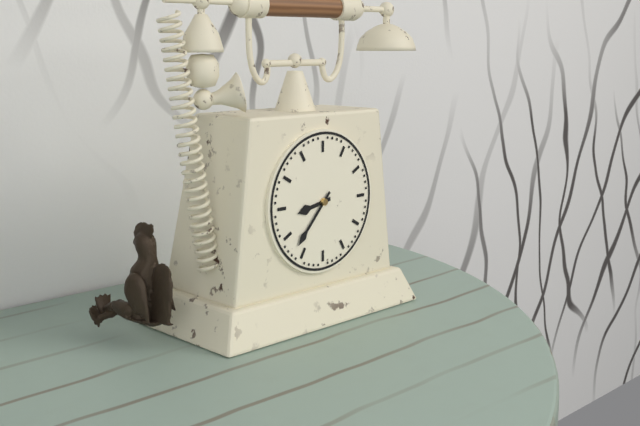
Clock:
8.37
